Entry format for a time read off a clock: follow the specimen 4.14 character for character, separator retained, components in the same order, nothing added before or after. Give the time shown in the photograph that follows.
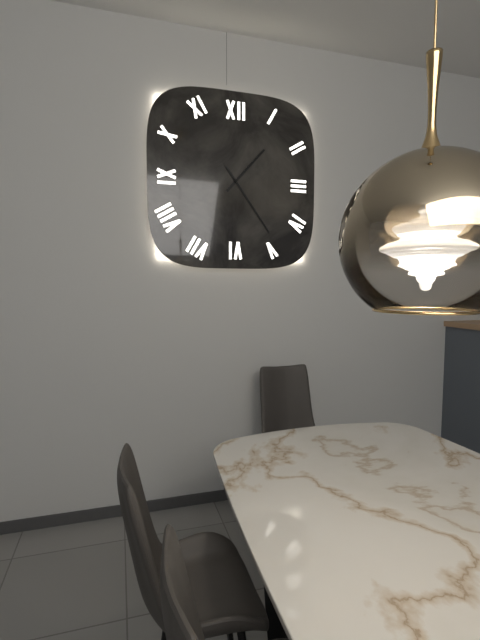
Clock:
1.24
